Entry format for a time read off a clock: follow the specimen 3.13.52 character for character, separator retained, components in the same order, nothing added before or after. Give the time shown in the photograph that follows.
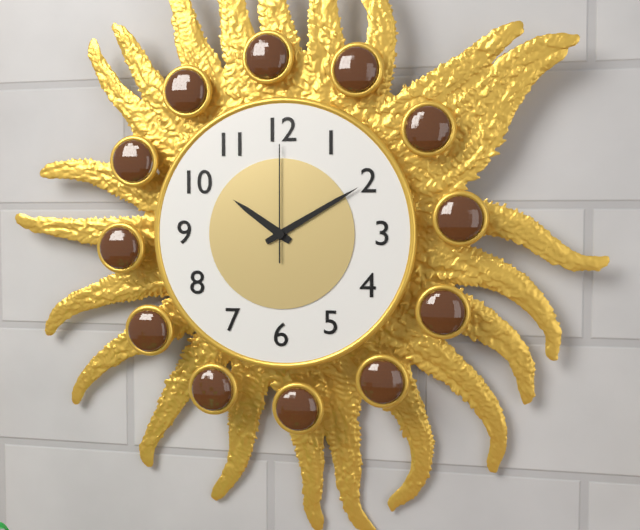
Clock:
10.10.00
